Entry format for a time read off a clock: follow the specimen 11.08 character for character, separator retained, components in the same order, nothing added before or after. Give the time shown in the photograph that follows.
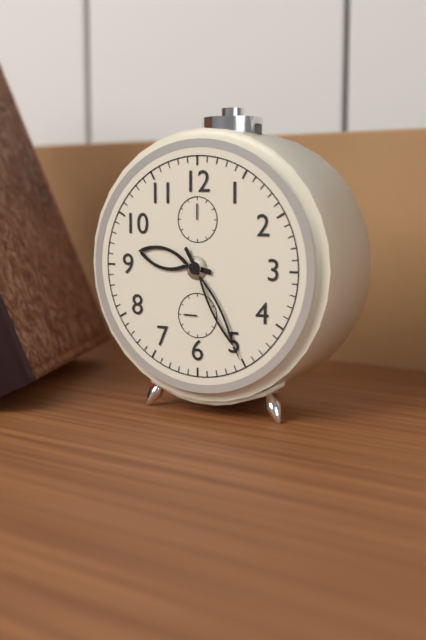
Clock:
9.25
